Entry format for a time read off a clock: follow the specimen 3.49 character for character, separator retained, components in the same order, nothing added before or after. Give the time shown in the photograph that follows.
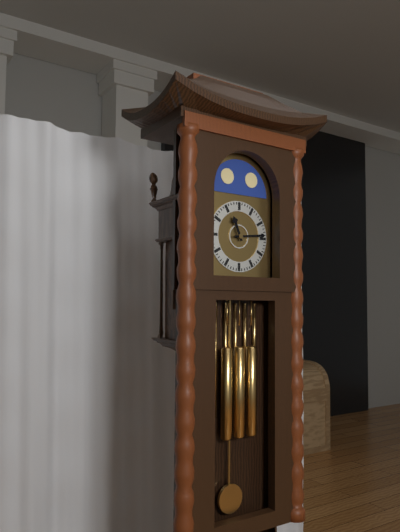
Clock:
11.14
